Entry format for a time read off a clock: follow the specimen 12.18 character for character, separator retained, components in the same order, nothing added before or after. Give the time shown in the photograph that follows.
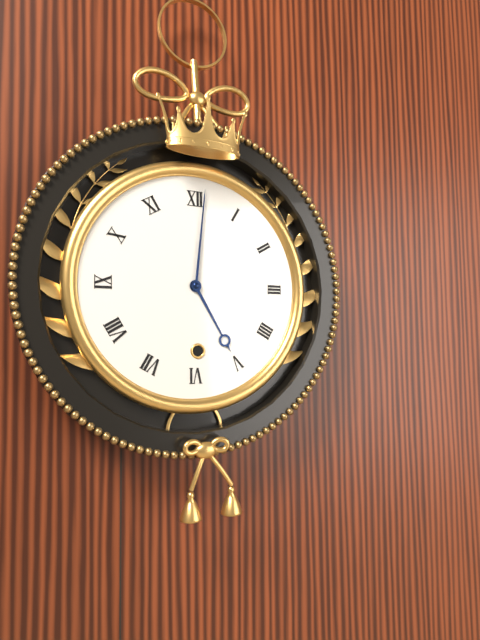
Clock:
5.01
